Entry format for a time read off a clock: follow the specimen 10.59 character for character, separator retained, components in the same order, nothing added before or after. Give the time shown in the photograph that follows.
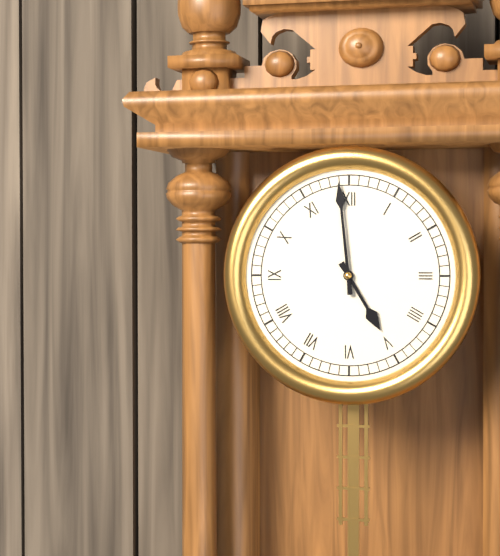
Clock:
4.59
